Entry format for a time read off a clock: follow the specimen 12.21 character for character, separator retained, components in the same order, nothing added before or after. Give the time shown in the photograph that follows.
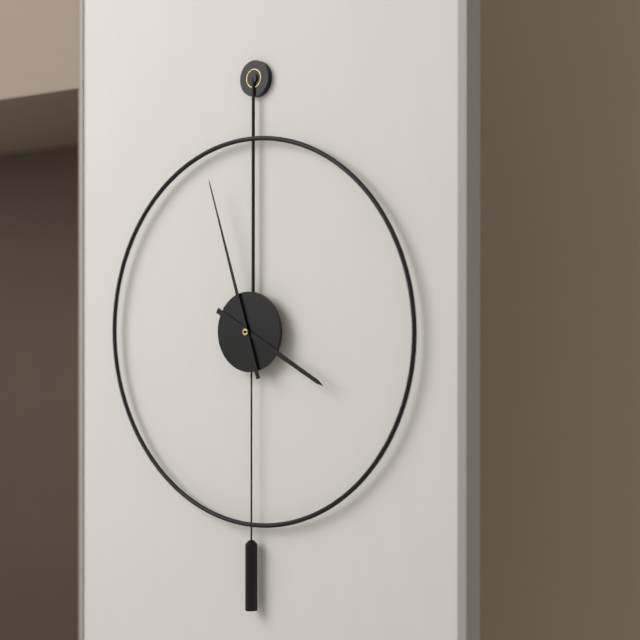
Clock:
3.57
